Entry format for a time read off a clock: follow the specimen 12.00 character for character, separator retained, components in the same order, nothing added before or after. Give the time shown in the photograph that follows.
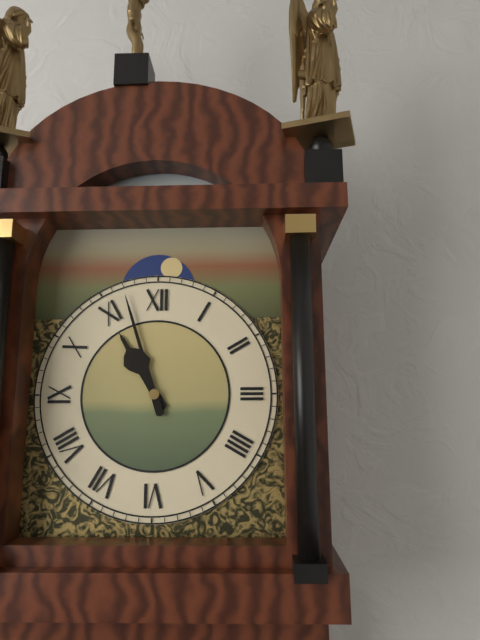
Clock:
10.57
